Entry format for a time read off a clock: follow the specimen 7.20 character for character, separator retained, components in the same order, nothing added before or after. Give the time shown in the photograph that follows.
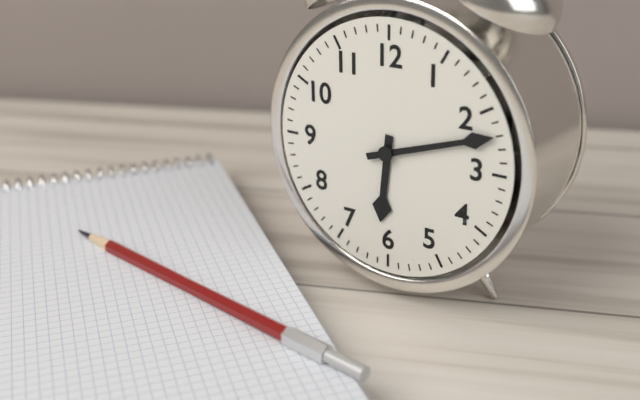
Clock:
6.12
